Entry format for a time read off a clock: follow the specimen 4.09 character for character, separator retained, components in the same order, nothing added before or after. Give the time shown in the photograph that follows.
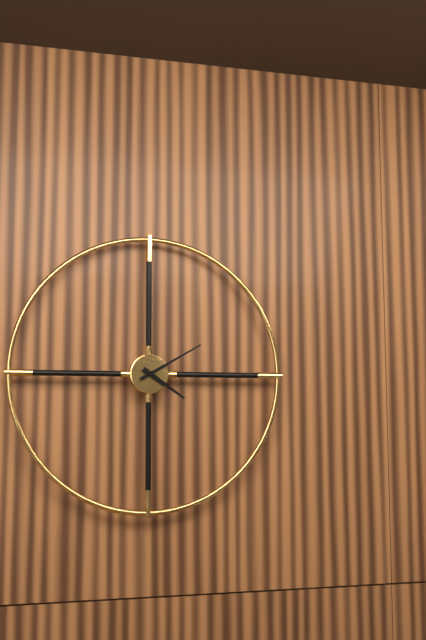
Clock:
4.10
